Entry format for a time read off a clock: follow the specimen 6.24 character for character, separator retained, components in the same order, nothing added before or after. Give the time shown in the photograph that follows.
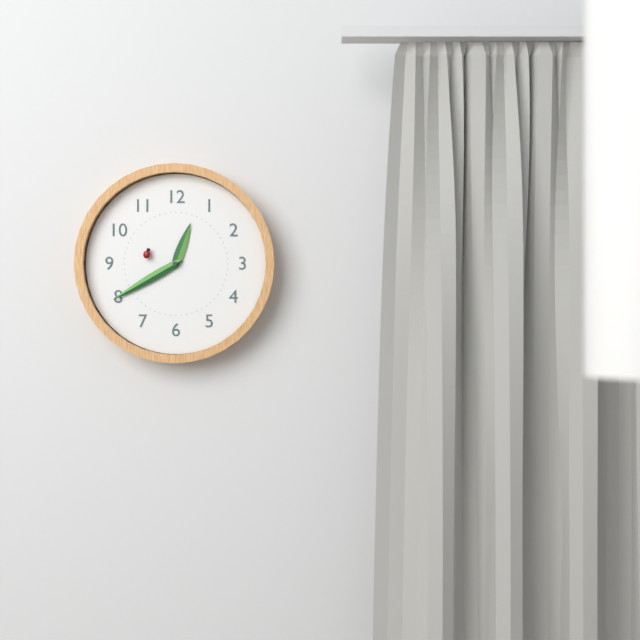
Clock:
12.40
